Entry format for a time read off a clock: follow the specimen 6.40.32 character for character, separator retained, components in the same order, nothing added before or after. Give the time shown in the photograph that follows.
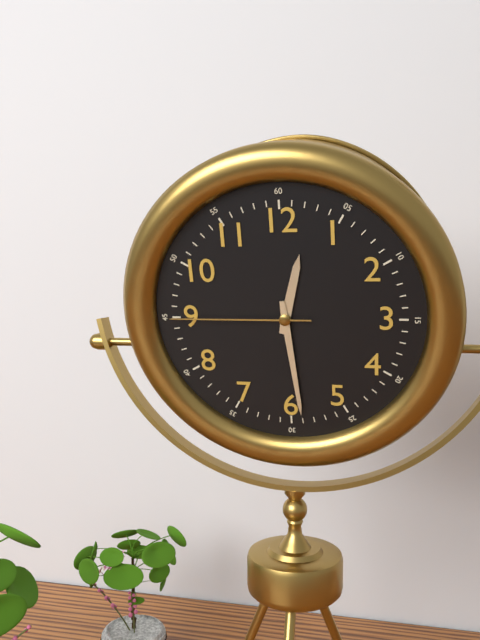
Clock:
12.29.45
